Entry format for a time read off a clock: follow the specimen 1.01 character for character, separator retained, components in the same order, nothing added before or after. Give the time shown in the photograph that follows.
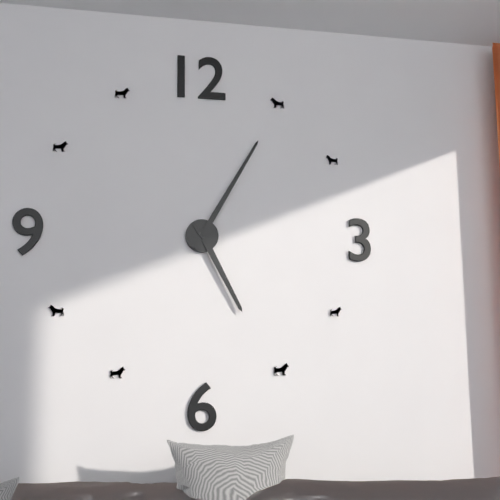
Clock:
5.05
